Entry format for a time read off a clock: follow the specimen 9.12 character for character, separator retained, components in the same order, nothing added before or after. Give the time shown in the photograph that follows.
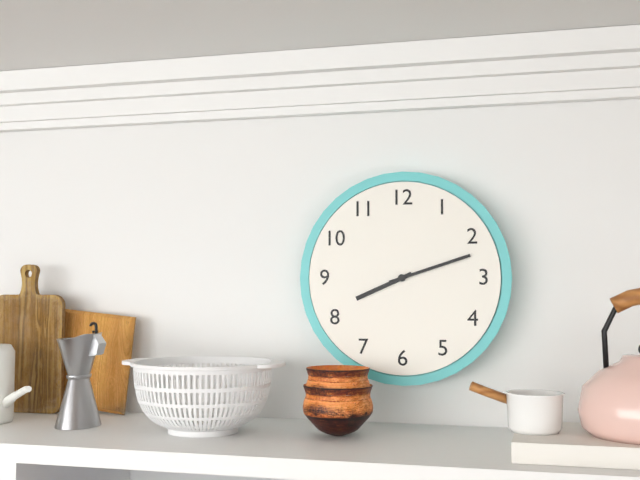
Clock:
8.12
